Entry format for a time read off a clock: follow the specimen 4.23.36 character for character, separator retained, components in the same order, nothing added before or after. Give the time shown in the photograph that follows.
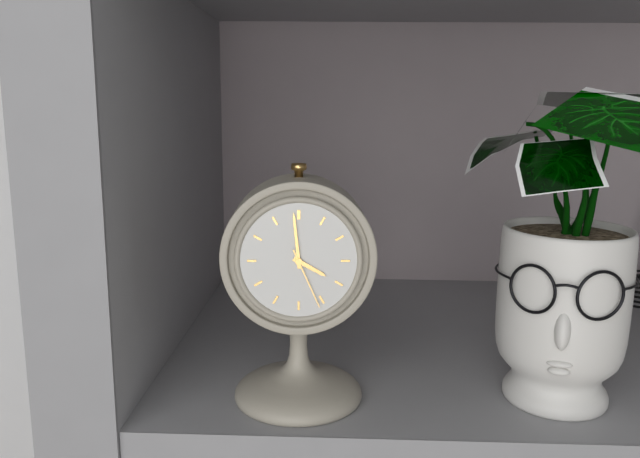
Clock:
3.59.26
